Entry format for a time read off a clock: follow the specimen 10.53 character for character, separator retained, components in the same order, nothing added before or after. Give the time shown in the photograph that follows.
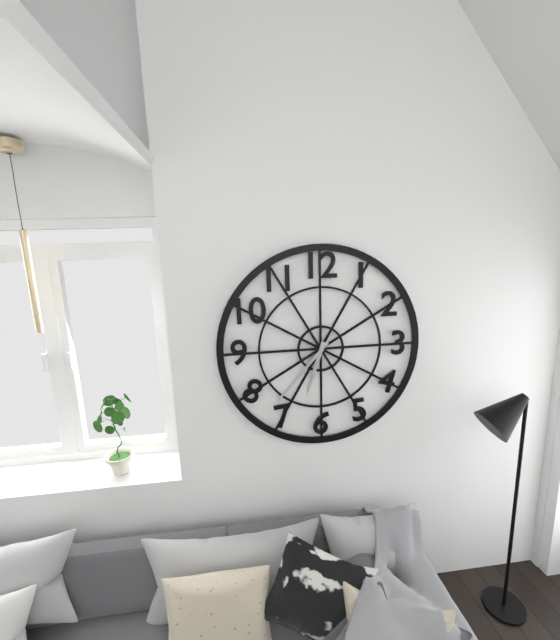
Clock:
6.37
